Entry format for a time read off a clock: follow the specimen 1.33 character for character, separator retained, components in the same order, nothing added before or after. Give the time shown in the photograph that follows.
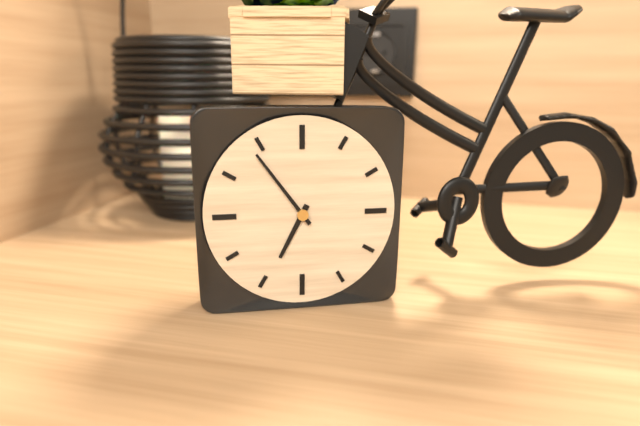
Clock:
6.54
